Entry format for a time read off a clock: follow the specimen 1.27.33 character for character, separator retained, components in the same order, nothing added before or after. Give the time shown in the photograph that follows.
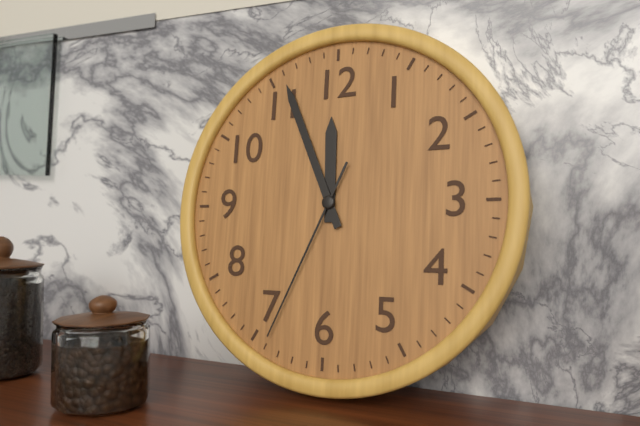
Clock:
11.56.34
